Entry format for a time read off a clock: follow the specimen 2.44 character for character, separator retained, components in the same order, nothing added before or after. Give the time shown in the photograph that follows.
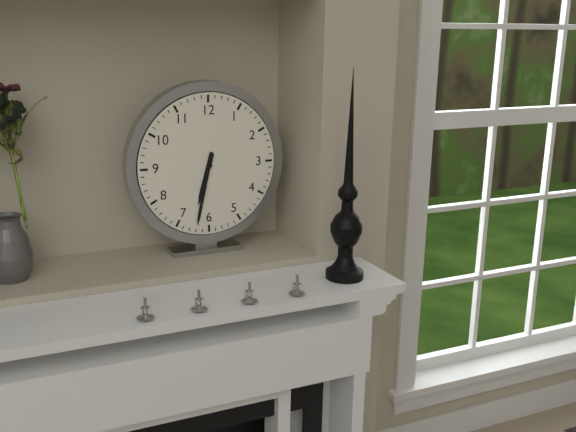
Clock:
6.32
